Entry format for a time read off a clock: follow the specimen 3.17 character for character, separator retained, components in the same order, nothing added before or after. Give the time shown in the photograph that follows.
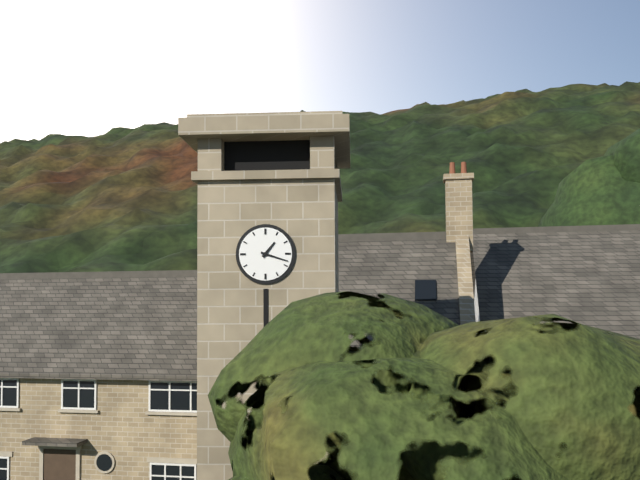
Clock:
1.18
